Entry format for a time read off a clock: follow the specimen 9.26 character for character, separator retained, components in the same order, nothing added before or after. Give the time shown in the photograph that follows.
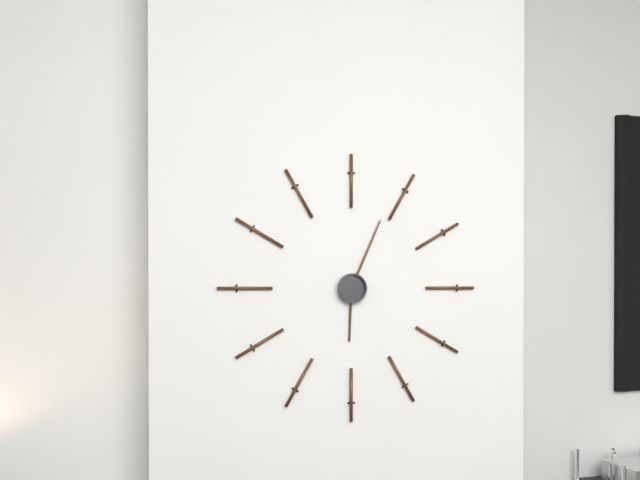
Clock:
6.04
